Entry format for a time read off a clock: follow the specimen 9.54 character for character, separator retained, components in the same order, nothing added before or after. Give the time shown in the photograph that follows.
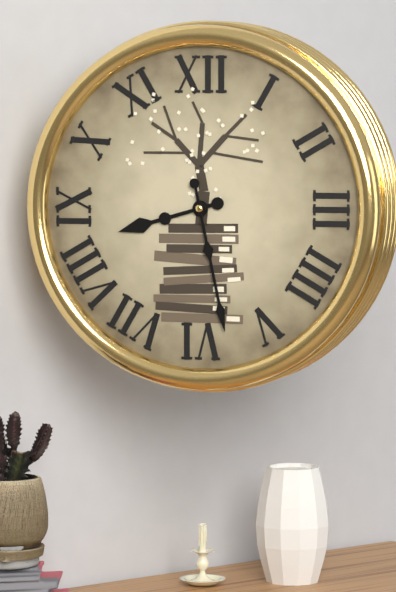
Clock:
8.28
